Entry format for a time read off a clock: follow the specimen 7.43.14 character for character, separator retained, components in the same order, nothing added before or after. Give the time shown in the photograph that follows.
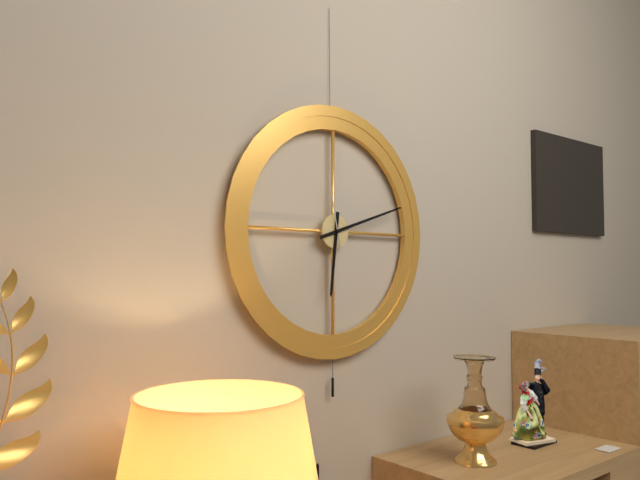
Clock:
6.12.58
